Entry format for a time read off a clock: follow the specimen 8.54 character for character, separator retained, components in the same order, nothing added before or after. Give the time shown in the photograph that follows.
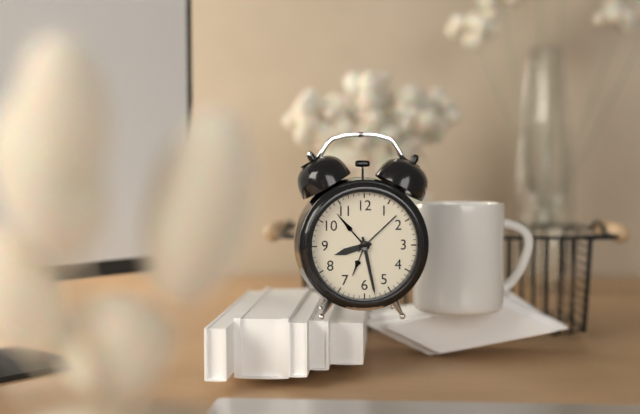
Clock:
8.28
